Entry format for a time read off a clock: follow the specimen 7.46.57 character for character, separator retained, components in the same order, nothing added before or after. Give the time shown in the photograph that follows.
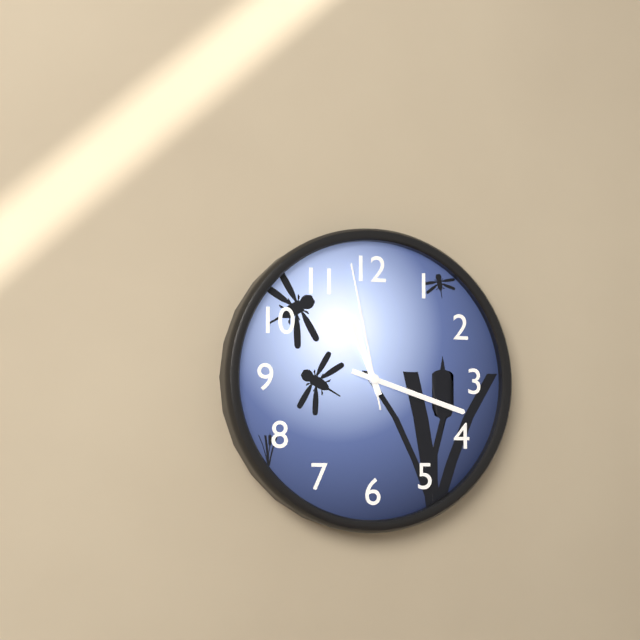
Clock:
11.18.58
